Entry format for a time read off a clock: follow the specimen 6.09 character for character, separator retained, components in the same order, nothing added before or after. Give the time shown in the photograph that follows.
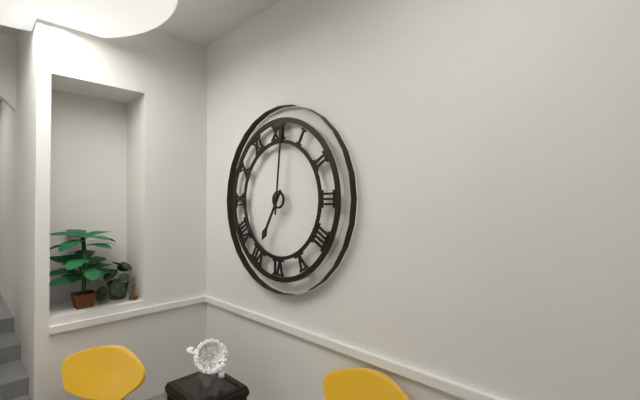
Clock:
7.01
